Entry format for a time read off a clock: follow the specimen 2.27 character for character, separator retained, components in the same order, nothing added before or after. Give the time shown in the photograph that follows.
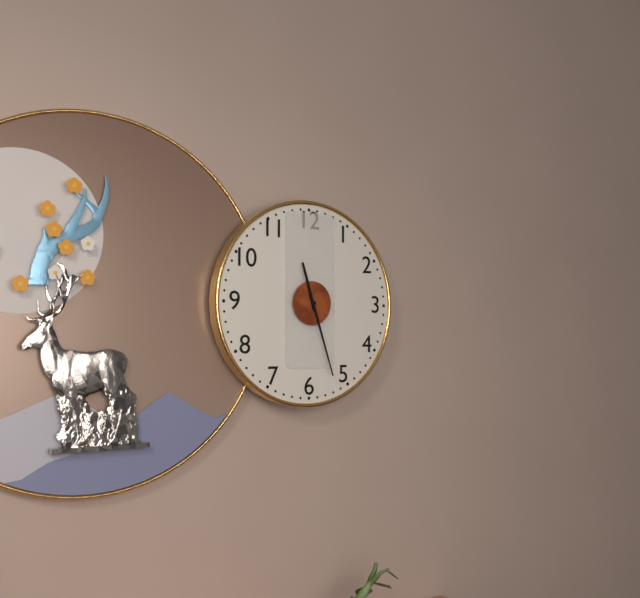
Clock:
11.27
